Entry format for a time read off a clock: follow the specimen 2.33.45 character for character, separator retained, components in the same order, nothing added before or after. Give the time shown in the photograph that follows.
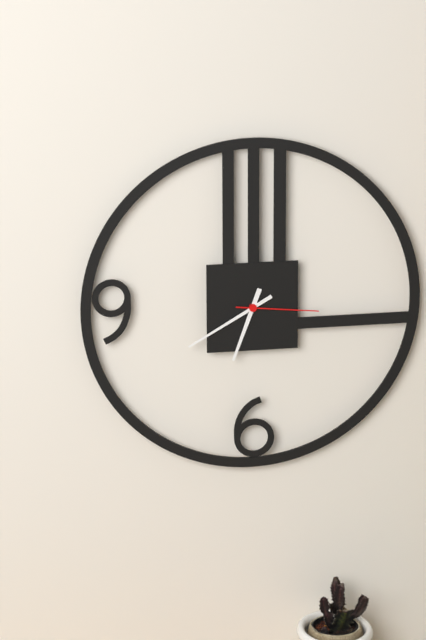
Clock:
6.40.16
